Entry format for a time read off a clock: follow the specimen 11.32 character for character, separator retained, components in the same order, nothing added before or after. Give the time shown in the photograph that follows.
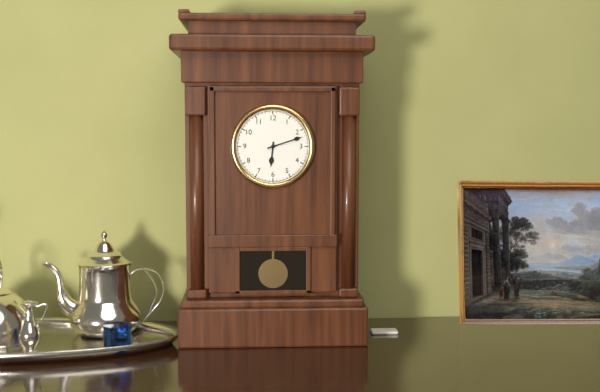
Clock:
6.12
